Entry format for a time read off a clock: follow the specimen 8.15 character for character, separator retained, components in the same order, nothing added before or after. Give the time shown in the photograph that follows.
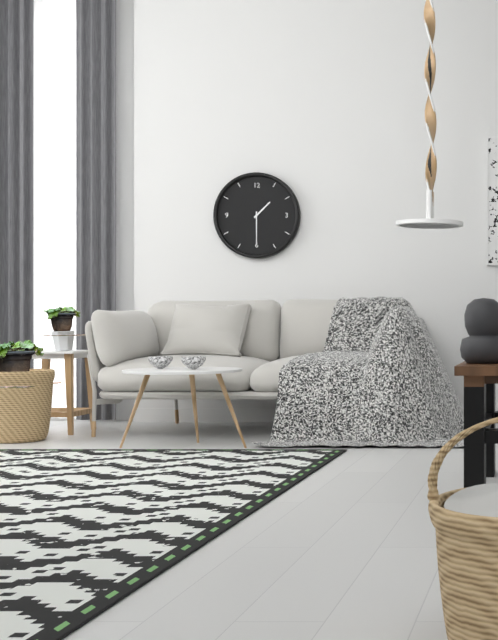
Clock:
1.30
